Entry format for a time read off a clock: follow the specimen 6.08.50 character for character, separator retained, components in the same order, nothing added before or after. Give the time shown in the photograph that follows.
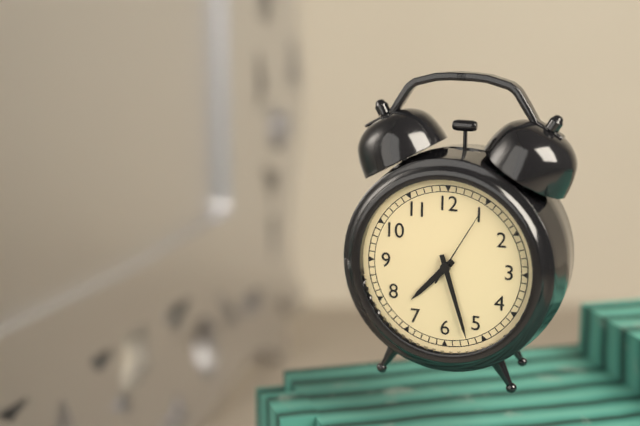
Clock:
7.27.05
